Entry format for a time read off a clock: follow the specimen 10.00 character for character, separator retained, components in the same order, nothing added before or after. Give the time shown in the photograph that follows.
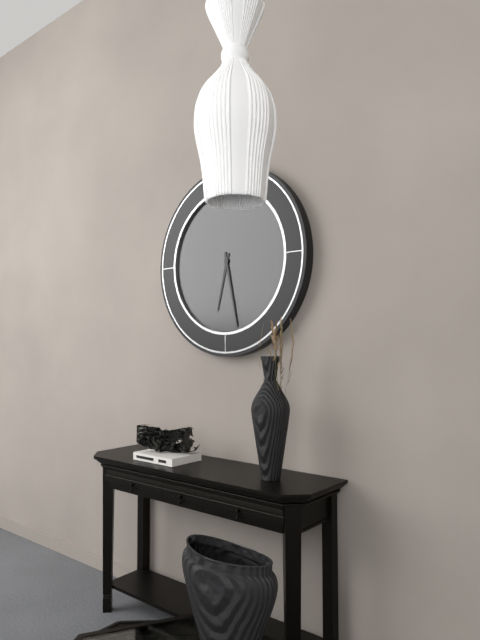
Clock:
6.28
